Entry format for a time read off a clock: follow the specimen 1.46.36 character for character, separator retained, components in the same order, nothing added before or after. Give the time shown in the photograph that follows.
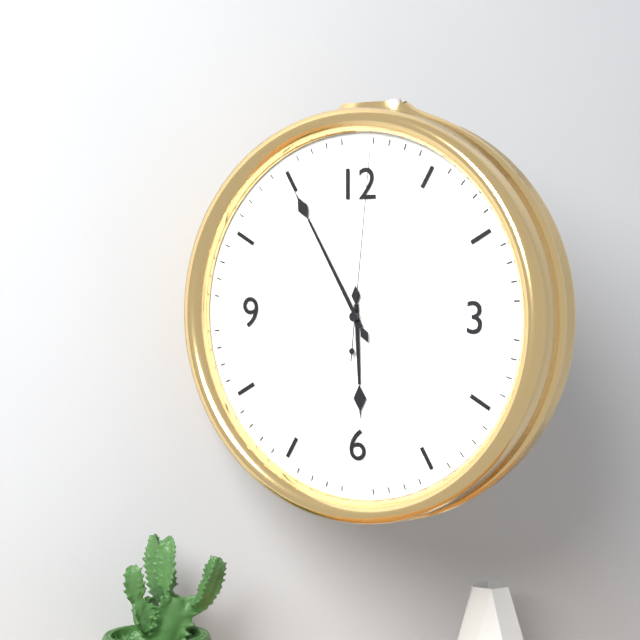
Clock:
5.55.01
